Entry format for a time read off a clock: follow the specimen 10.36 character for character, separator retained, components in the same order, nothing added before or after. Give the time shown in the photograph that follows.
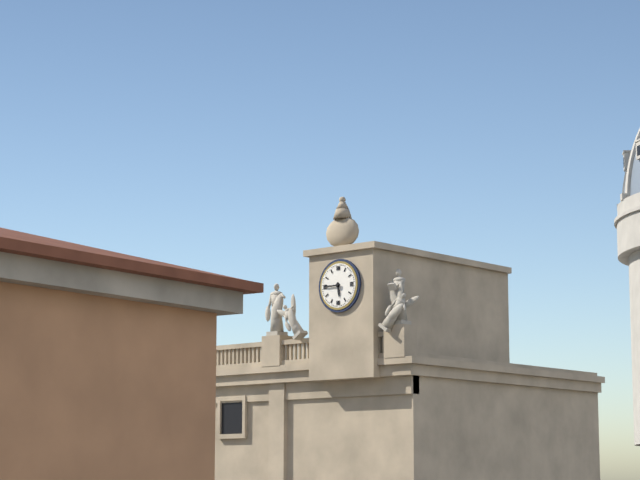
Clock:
5.45
